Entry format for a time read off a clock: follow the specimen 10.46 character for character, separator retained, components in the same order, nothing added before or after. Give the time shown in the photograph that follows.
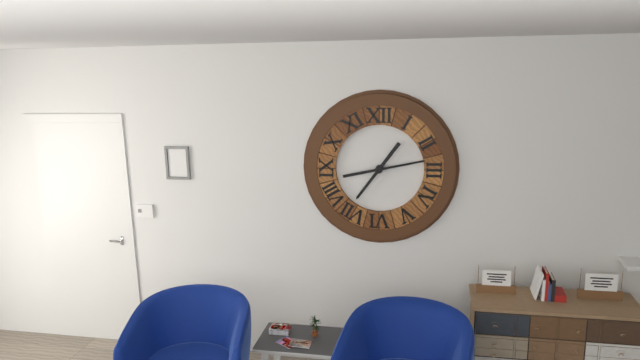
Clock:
7.13
